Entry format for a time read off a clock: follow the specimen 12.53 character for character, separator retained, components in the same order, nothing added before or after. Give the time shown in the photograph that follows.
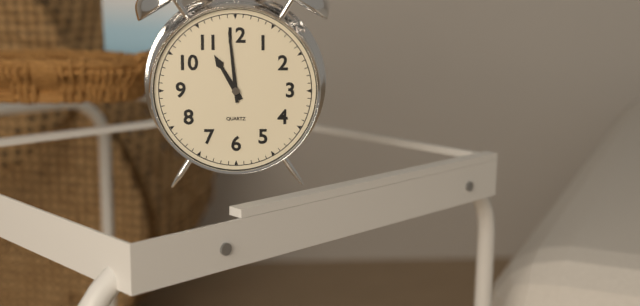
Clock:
10.59
